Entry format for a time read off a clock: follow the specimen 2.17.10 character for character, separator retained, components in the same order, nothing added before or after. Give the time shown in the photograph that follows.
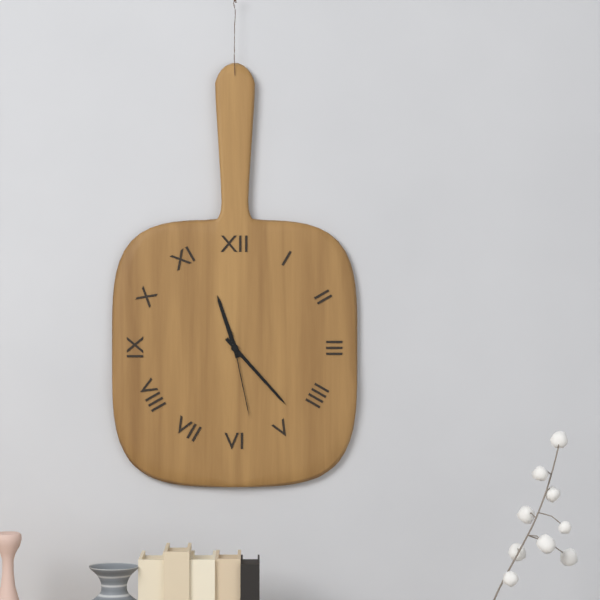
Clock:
11.23.28
